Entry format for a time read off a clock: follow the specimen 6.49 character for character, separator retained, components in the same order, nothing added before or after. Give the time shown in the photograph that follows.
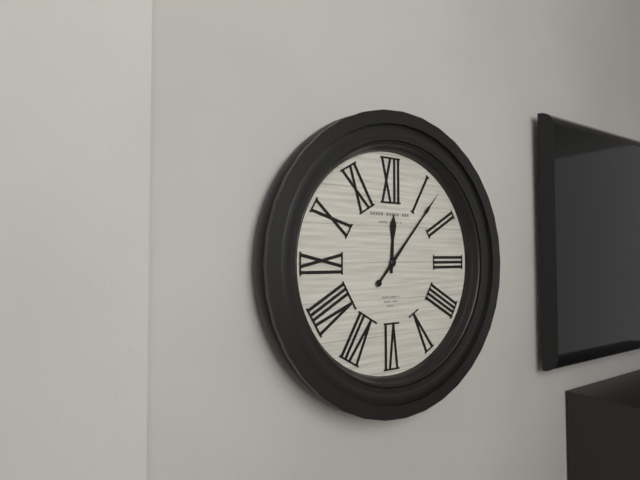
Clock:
12.07
